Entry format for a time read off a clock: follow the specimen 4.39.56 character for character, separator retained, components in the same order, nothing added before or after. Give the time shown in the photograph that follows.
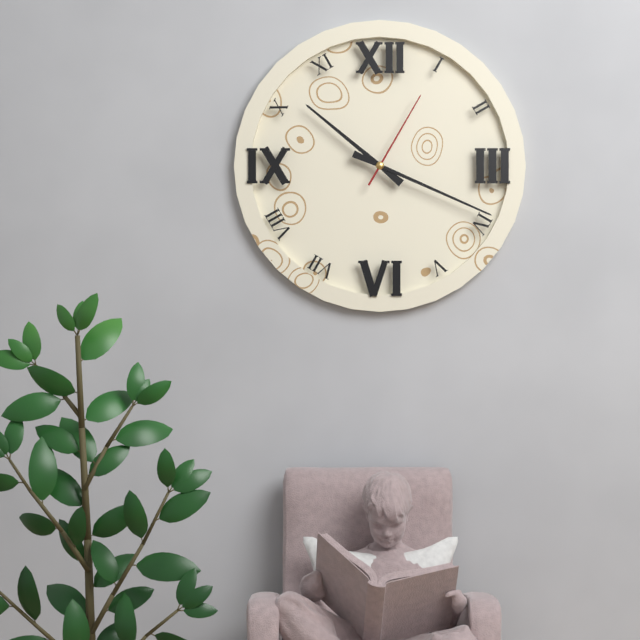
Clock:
10.19.05
